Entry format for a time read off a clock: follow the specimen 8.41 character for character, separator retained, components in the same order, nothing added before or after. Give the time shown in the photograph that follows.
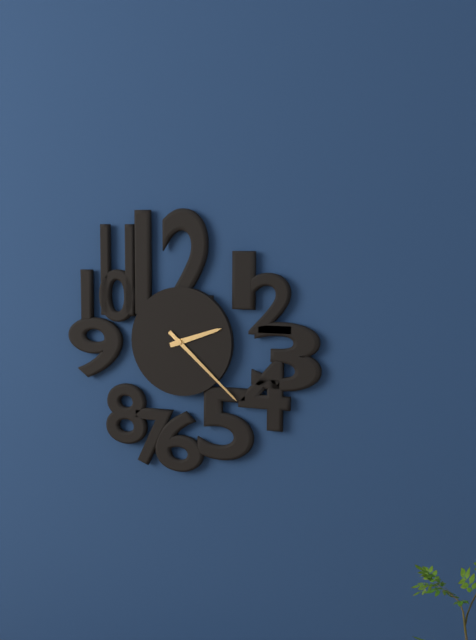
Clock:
2.22
